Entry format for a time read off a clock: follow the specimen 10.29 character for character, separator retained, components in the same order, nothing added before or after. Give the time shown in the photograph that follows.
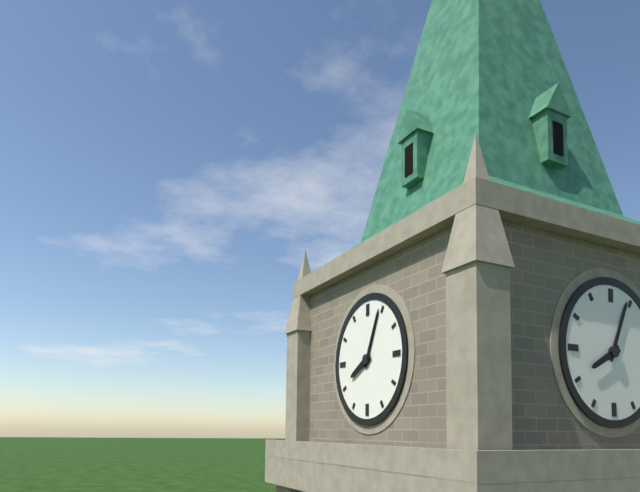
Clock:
8.04
